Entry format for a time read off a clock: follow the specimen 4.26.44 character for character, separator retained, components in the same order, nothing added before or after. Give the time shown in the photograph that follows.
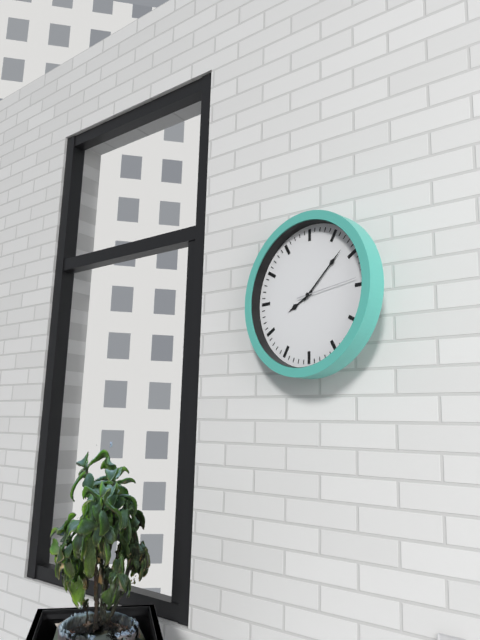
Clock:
8.08.14
